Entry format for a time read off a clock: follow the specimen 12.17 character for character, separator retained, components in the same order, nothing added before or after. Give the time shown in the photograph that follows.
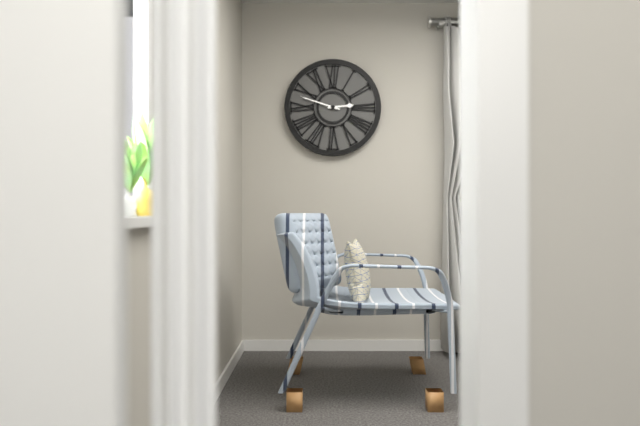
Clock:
2.48
